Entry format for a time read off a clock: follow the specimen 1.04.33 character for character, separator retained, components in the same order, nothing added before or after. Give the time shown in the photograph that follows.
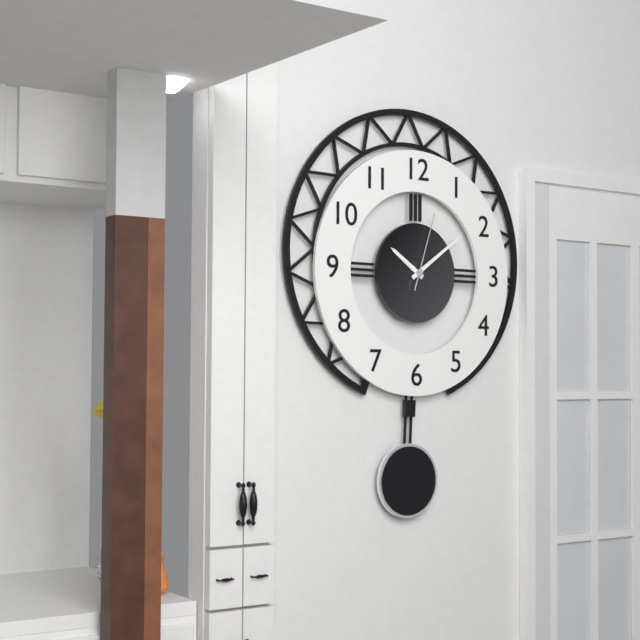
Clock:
10.09.03
